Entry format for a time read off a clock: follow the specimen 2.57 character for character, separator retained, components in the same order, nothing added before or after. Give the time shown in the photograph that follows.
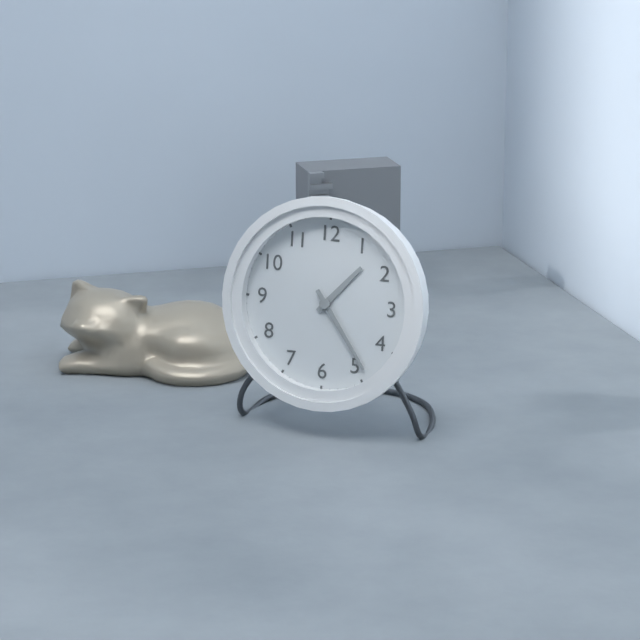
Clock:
1.24
